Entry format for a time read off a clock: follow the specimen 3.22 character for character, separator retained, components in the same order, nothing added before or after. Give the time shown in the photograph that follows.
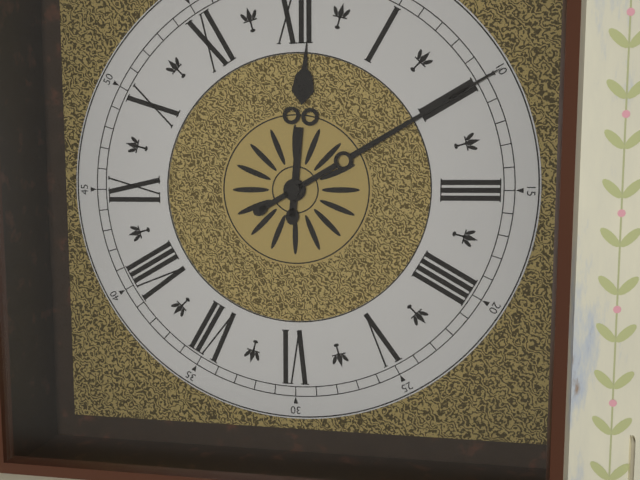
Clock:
12.10
